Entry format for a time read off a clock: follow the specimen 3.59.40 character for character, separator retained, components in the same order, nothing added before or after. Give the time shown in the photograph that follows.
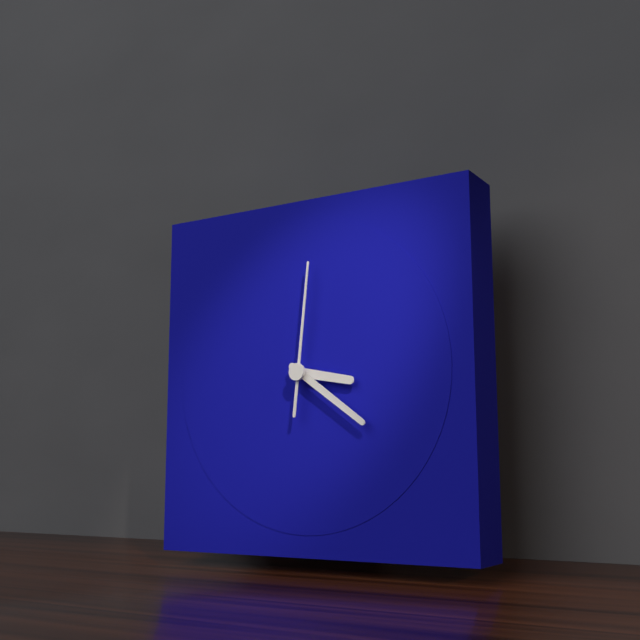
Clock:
3.21.01
